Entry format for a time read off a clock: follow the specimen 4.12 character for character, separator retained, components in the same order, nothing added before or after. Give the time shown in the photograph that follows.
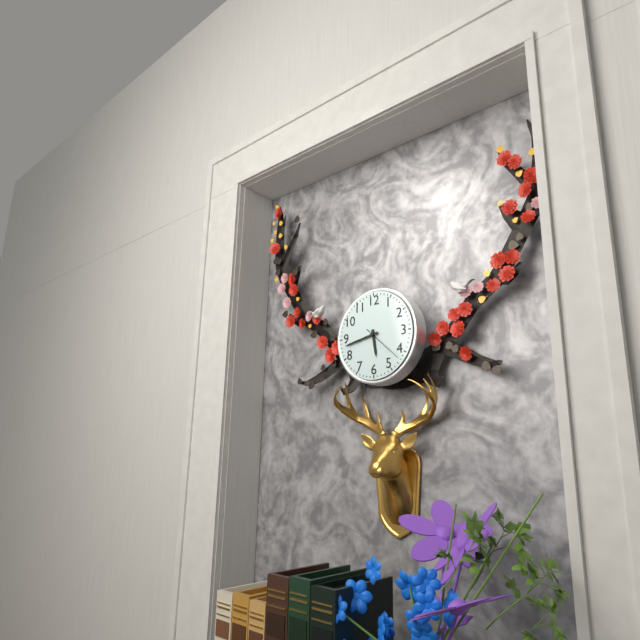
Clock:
5.43
